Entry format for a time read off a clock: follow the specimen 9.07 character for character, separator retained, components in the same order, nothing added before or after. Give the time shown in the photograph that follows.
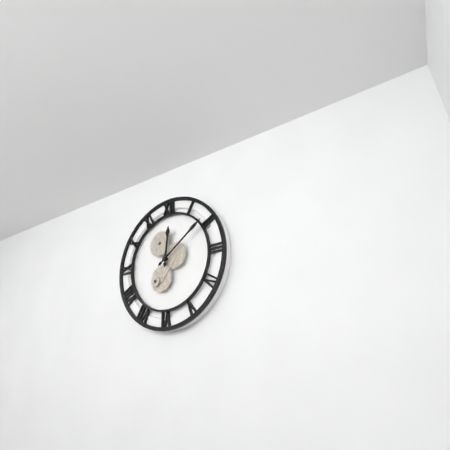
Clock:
12.09
